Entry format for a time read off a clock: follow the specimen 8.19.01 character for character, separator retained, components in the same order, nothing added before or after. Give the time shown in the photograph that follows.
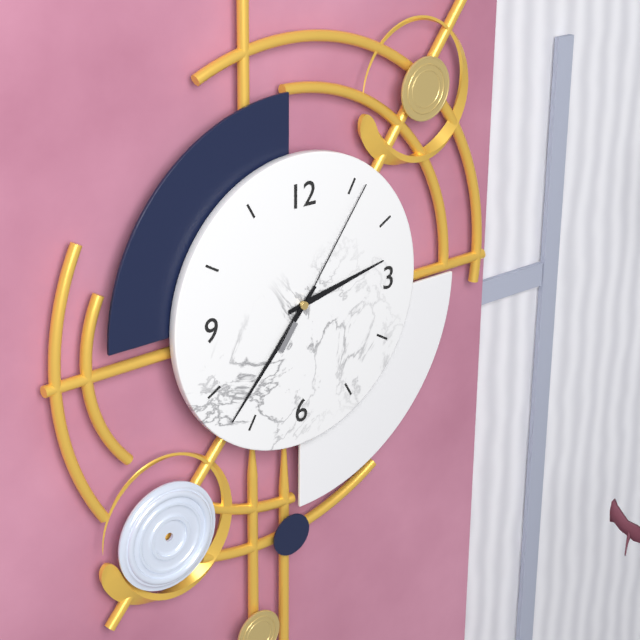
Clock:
2.37.06
